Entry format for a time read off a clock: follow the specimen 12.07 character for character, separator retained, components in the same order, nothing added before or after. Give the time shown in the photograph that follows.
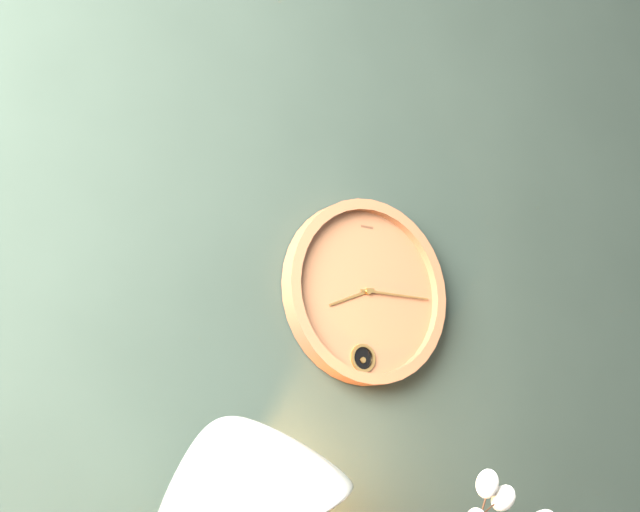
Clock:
8.15
